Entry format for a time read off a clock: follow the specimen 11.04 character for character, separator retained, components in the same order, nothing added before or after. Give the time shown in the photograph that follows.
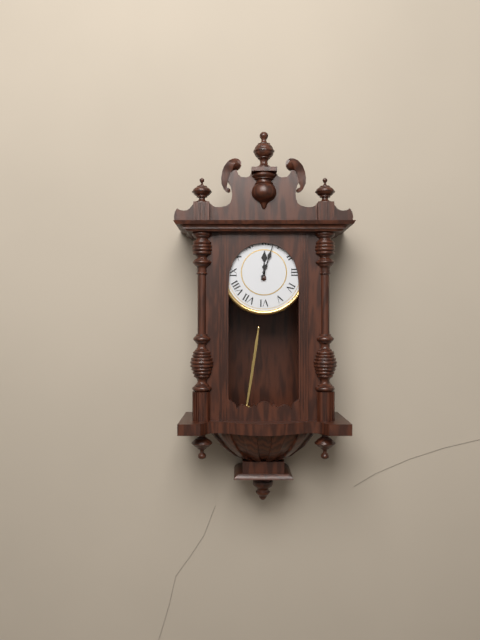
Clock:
12.03
